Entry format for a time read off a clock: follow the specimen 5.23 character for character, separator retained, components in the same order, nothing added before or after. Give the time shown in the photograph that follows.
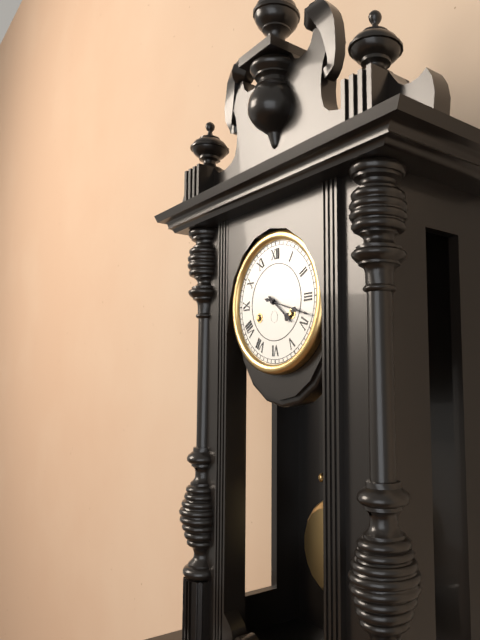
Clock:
4.18
